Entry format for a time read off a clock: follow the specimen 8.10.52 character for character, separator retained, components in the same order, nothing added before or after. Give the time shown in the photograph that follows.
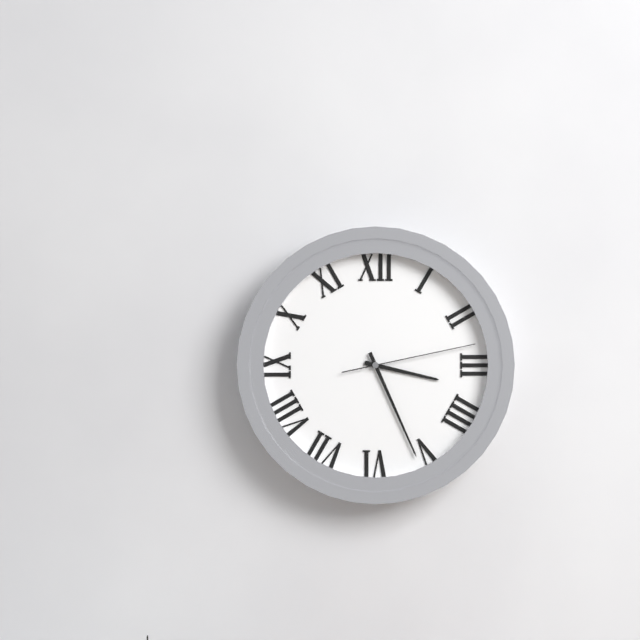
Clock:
3.26.13
